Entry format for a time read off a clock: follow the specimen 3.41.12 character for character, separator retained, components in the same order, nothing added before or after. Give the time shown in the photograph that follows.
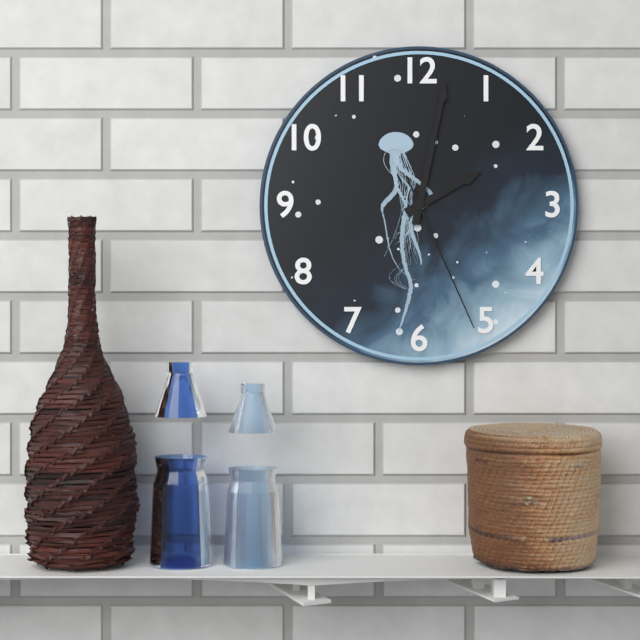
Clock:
2.02.26
